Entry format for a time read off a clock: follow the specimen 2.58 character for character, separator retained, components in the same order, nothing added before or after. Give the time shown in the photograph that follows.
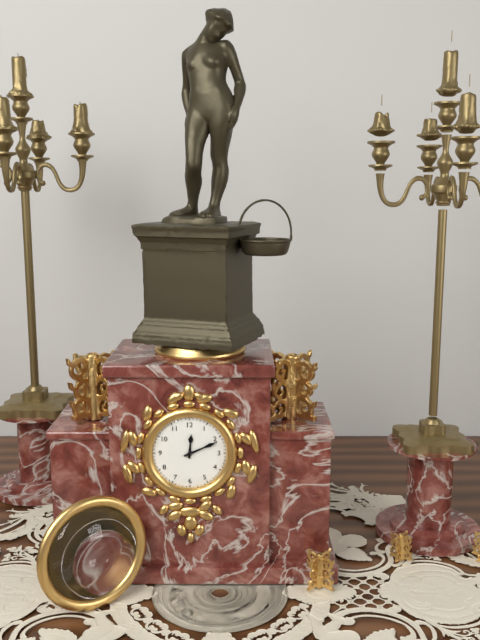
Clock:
12.11
